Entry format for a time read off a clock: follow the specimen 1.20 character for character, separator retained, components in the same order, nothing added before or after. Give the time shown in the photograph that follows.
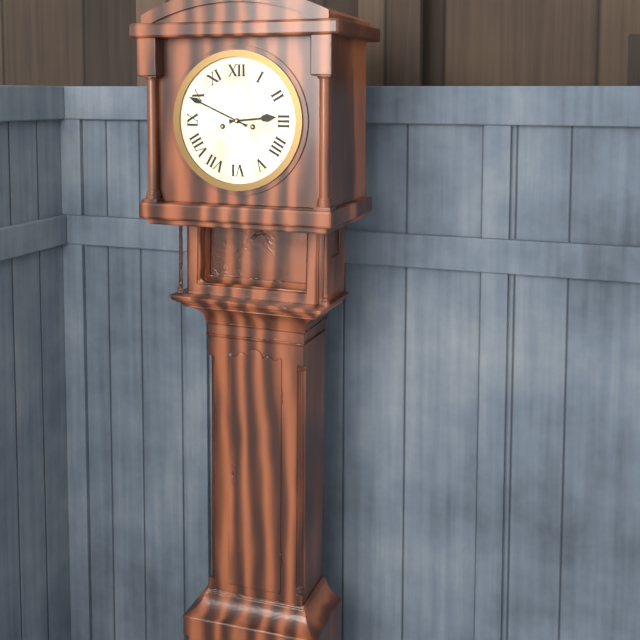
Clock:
2.49
